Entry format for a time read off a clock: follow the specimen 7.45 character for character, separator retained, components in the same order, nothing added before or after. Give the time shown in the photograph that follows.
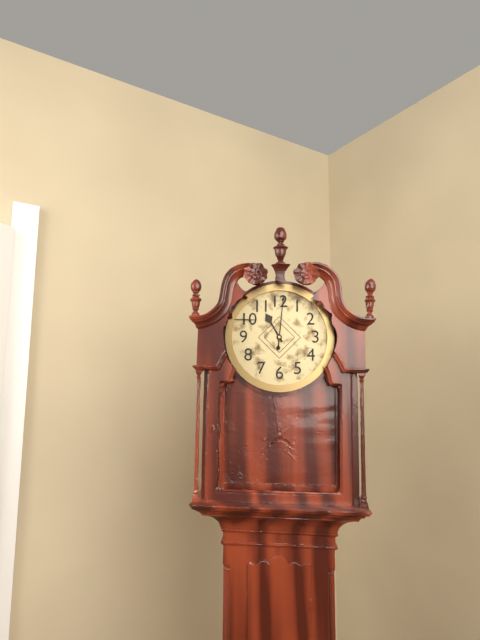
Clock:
11.01
